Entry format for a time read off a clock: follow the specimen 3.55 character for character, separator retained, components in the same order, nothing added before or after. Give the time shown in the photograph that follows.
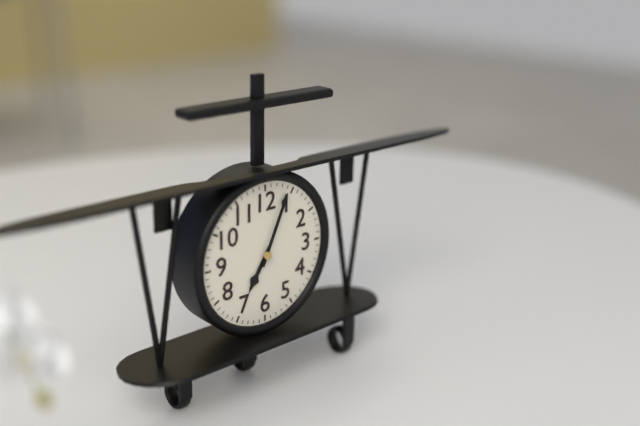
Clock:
7.04
